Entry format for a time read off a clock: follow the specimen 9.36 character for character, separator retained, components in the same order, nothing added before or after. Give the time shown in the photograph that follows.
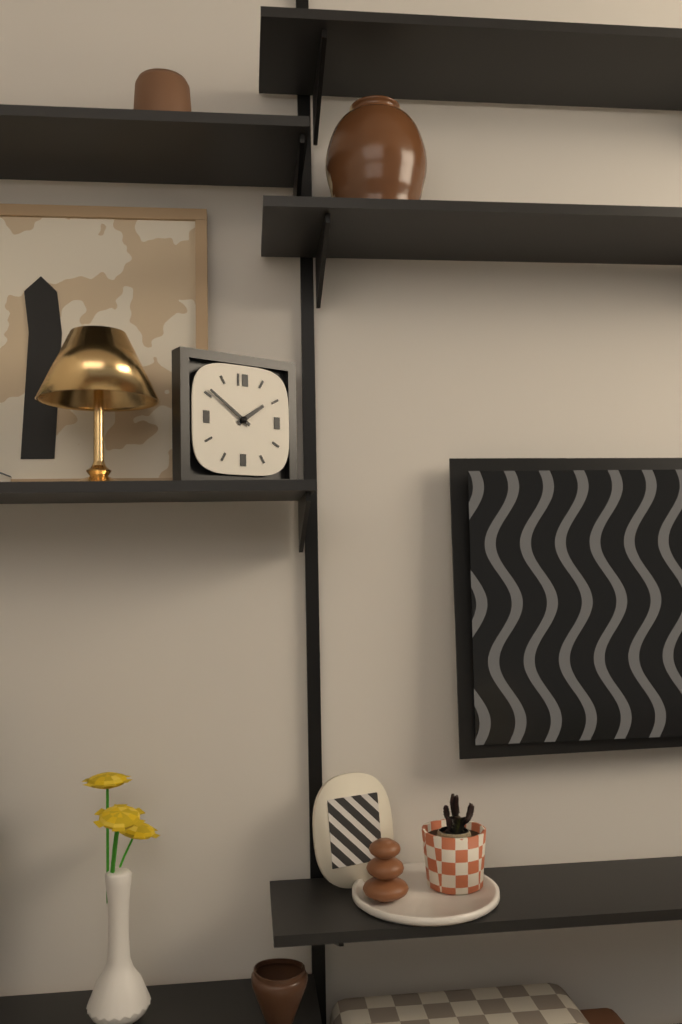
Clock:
1.51
